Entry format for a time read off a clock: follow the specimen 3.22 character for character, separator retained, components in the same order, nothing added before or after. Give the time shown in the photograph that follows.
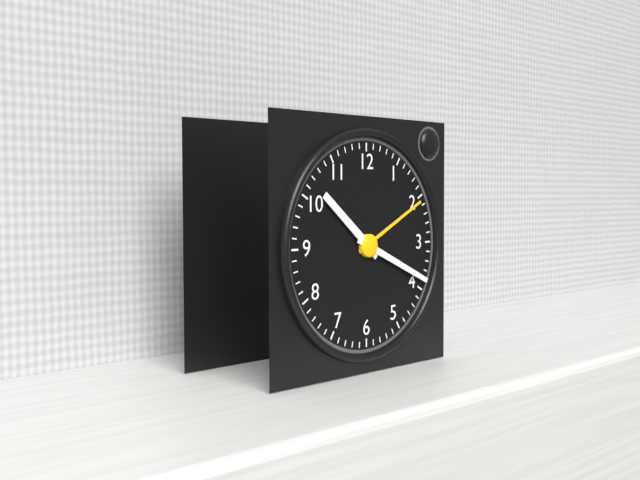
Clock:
10.19
